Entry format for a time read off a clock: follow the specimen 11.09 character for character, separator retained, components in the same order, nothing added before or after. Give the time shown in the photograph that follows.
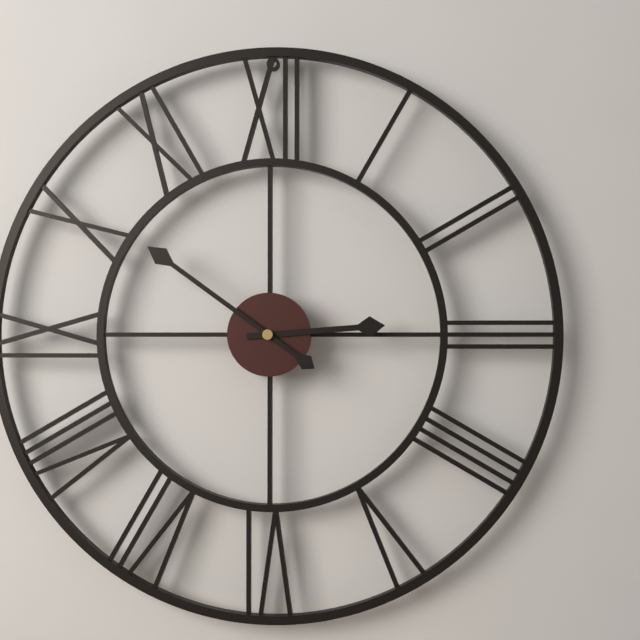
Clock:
2.51
